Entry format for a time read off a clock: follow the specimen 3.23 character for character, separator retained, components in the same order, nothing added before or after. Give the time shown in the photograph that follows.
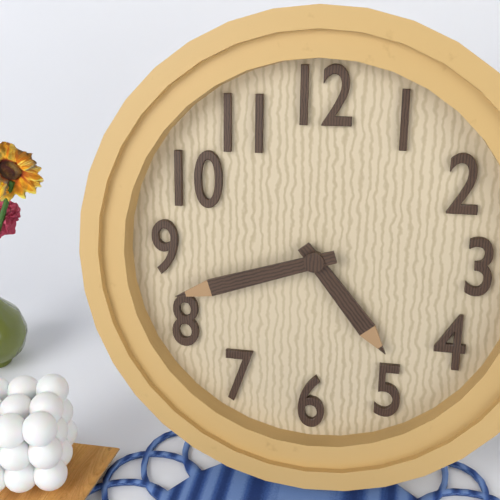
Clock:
4.42
